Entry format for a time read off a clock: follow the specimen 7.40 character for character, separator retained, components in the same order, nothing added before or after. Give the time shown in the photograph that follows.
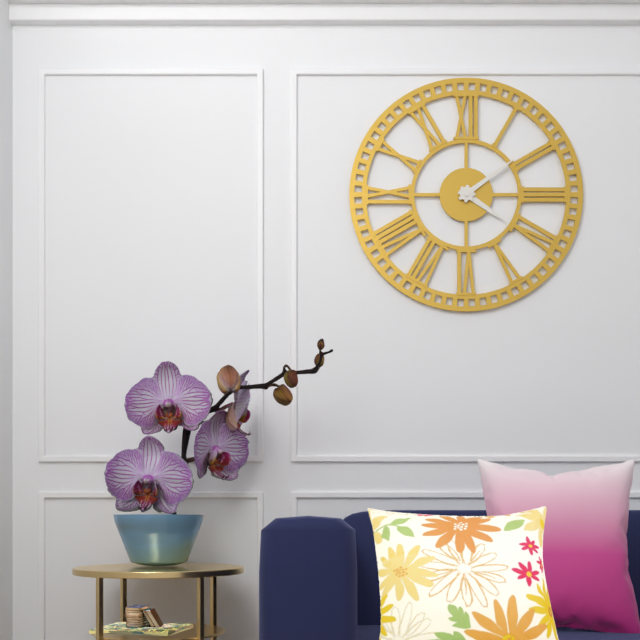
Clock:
4.09
